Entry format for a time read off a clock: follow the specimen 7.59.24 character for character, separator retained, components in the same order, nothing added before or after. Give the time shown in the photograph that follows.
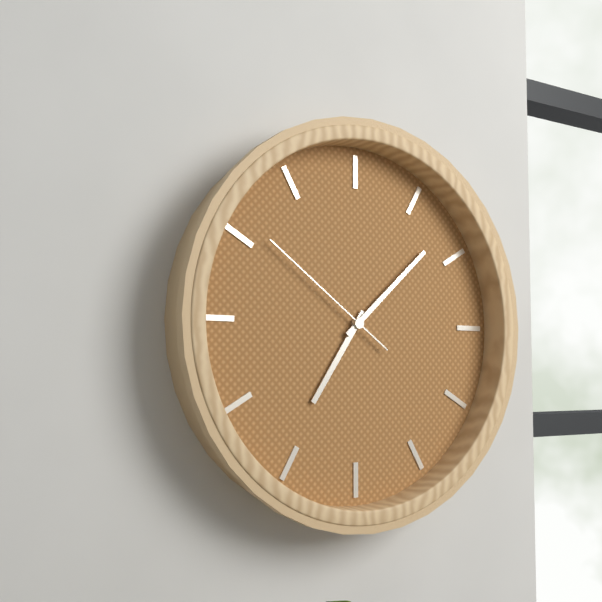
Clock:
7.08.51
